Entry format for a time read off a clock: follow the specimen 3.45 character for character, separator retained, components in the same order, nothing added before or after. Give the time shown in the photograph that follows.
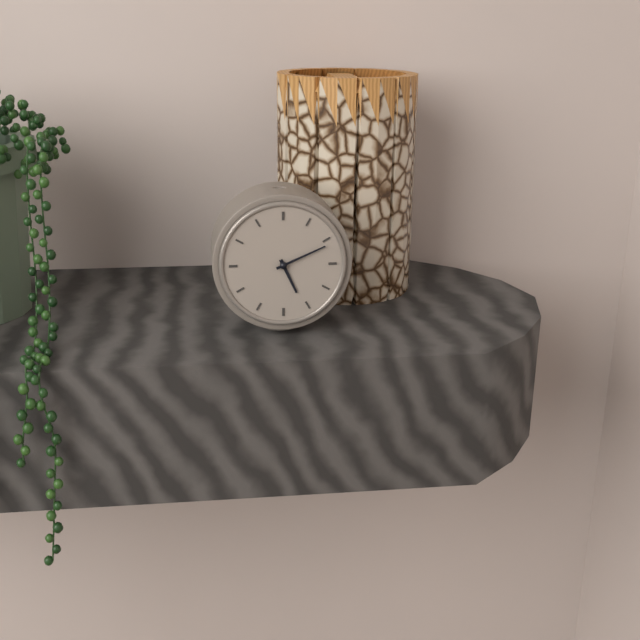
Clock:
5.11
